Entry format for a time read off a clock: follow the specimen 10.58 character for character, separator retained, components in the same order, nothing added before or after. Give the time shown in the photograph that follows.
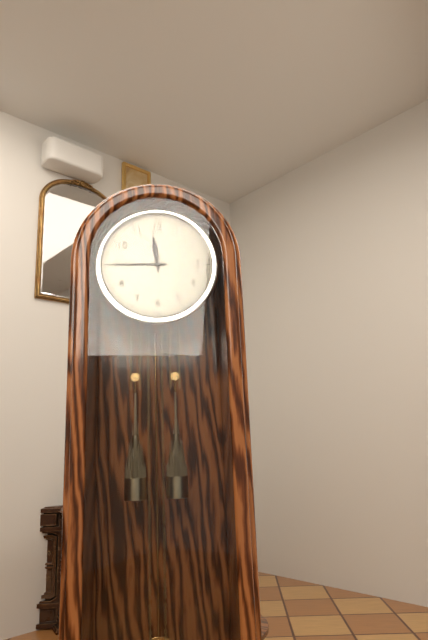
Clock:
11.45
